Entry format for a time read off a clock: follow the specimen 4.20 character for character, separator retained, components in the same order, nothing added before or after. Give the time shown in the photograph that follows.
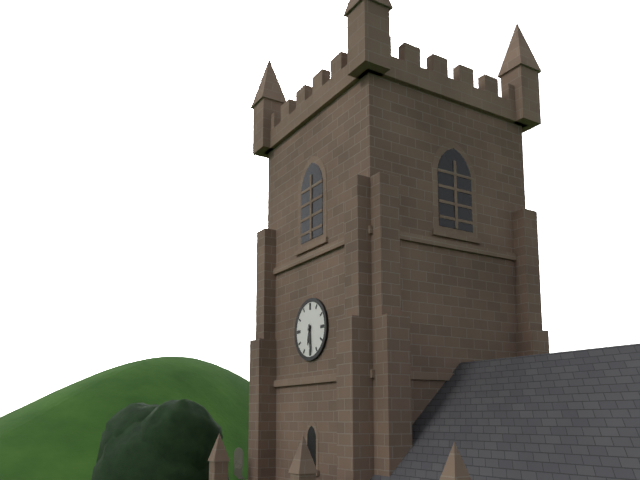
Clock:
6.29
